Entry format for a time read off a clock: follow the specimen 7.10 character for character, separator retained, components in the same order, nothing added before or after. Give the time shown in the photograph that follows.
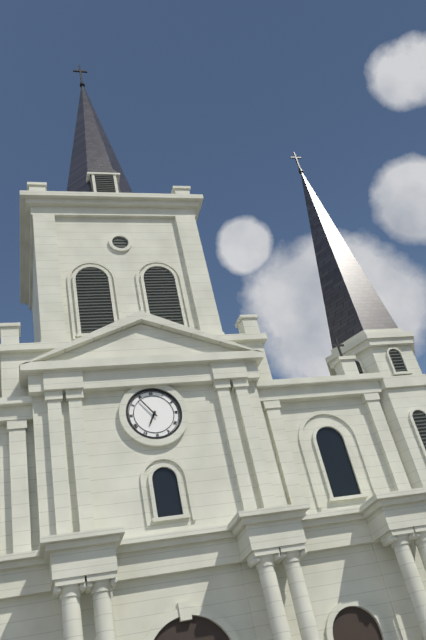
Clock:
6.54
